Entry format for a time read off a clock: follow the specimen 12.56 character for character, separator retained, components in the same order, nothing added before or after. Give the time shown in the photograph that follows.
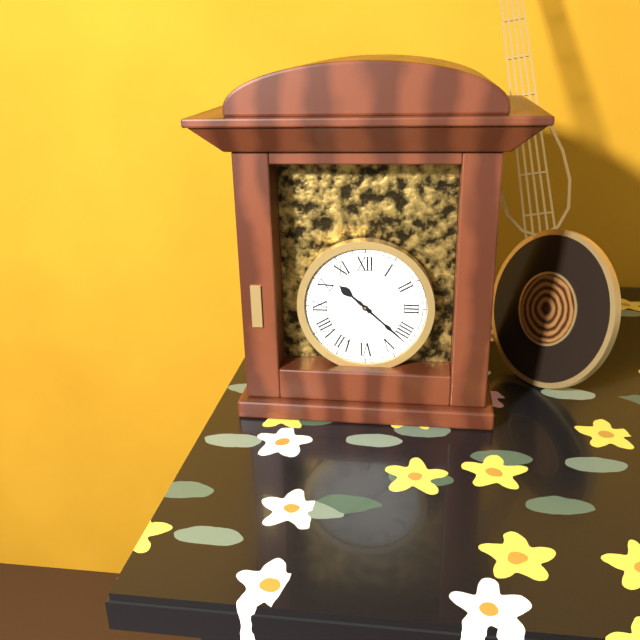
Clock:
10.22
